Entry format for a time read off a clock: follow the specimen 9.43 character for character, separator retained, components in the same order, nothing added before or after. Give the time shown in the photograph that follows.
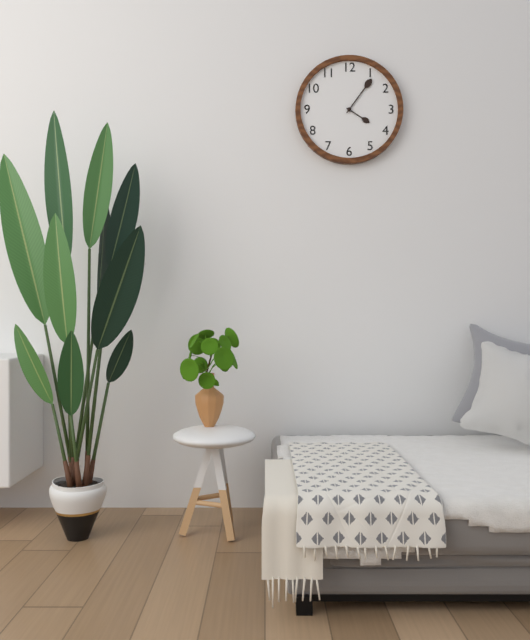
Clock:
4.06
